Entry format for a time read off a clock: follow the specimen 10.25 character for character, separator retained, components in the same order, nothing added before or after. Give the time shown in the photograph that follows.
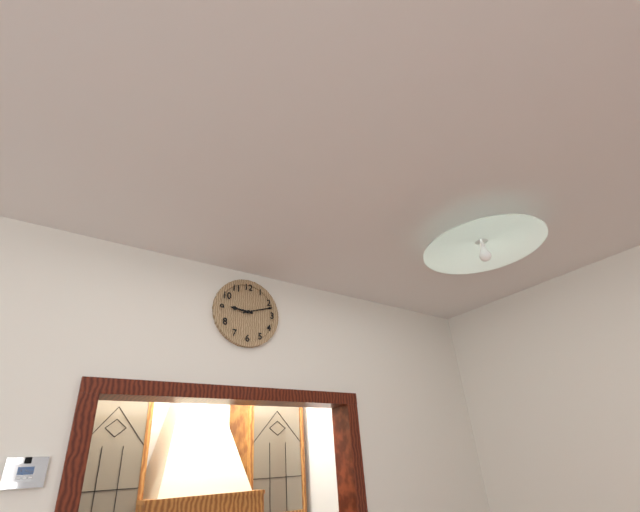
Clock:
9.12
